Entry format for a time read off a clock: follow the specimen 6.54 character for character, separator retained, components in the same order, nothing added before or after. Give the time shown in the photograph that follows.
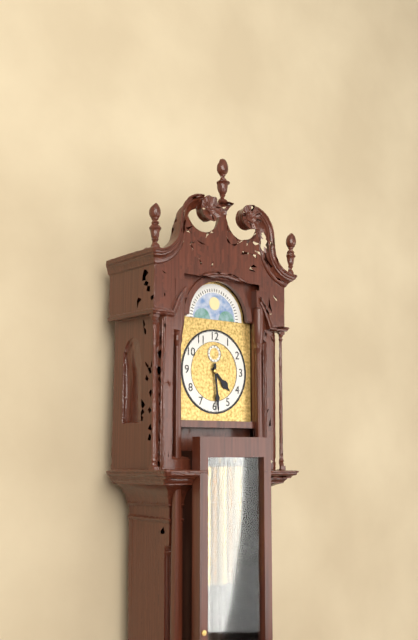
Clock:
4.29
